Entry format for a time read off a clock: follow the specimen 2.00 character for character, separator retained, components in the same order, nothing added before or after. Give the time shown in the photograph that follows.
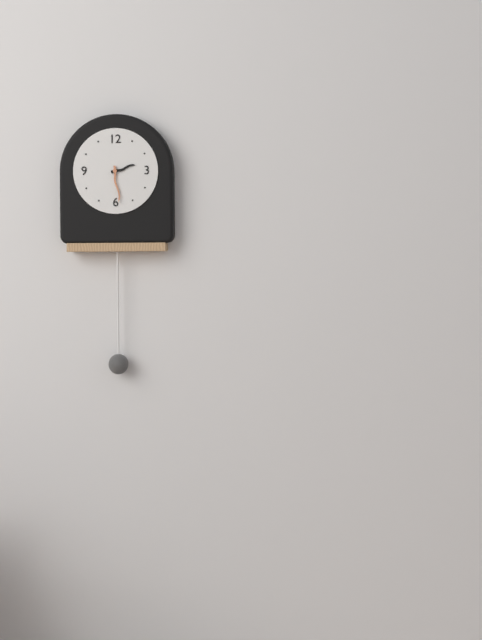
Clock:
2.29
